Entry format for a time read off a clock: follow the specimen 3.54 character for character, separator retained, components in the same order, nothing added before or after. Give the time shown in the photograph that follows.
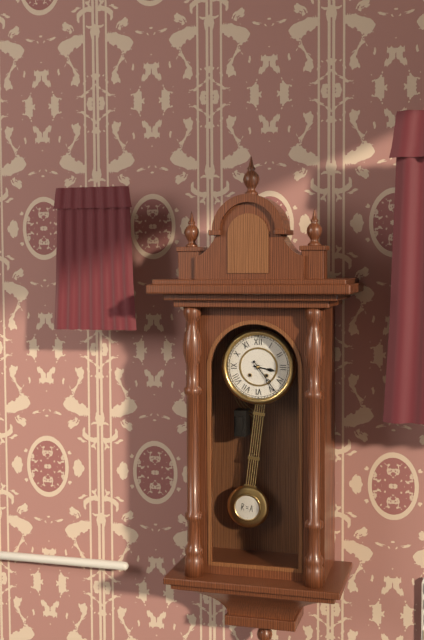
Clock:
3.24
